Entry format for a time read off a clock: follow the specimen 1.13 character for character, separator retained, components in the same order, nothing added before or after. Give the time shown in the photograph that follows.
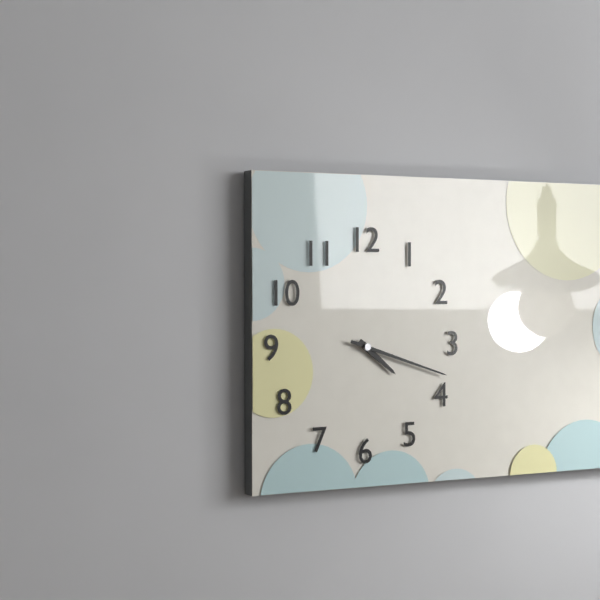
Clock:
4.18
